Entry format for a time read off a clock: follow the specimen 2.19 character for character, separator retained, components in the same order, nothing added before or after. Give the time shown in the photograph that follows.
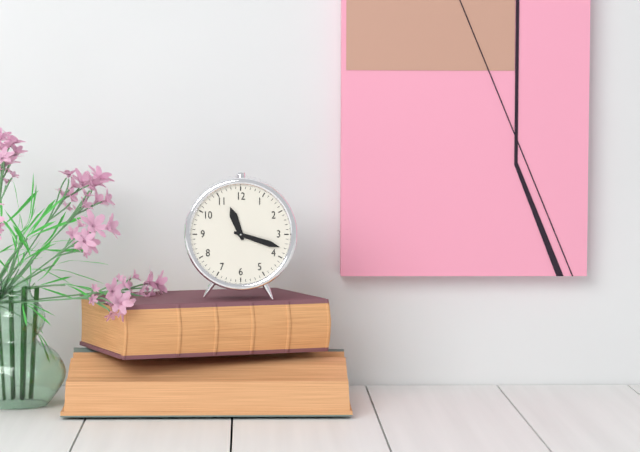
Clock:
11.18
